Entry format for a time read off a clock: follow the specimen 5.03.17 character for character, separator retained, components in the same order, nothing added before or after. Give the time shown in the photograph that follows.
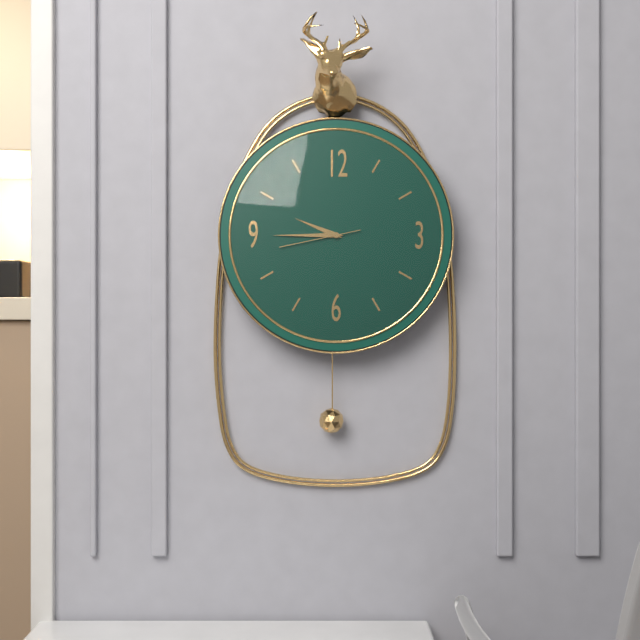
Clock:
9.45.43
